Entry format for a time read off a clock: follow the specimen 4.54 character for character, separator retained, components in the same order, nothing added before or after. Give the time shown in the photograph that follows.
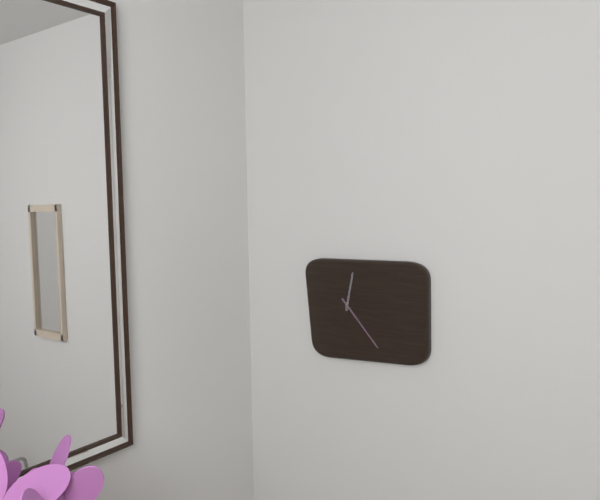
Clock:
12.23
